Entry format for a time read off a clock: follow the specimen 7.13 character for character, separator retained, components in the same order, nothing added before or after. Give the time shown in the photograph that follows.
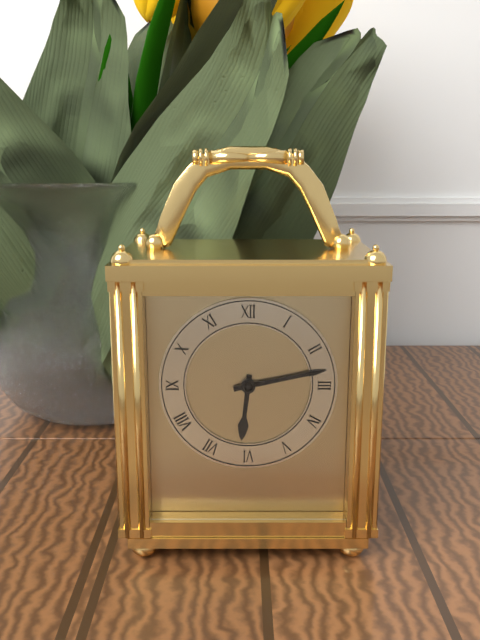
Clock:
6.13
